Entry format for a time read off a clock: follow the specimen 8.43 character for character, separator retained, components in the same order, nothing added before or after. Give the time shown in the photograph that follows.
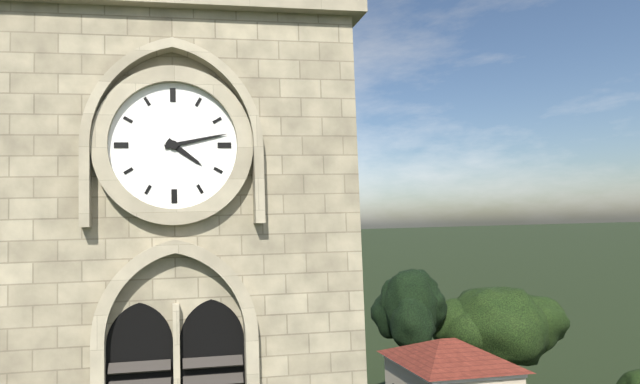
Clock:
4.13
